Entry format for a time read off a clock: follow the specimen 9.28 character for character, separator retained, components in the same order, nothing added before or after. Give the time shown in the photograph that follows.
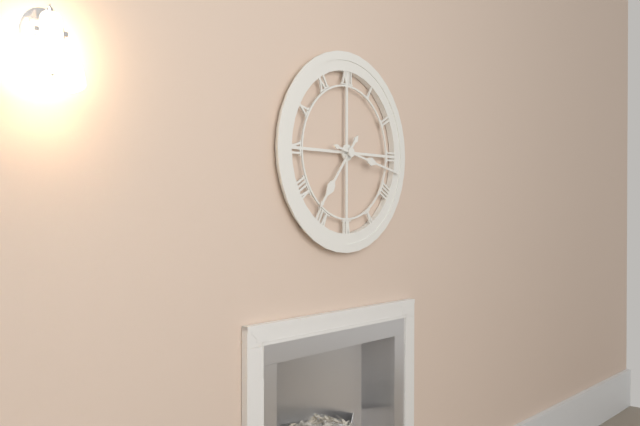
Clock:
7.17
